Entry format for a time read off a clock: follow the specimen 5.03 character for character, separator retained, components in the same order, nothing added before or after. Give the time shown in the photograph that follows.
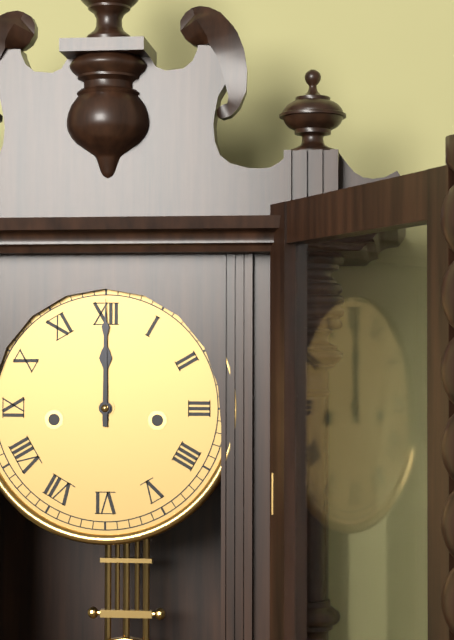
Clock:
12.00
